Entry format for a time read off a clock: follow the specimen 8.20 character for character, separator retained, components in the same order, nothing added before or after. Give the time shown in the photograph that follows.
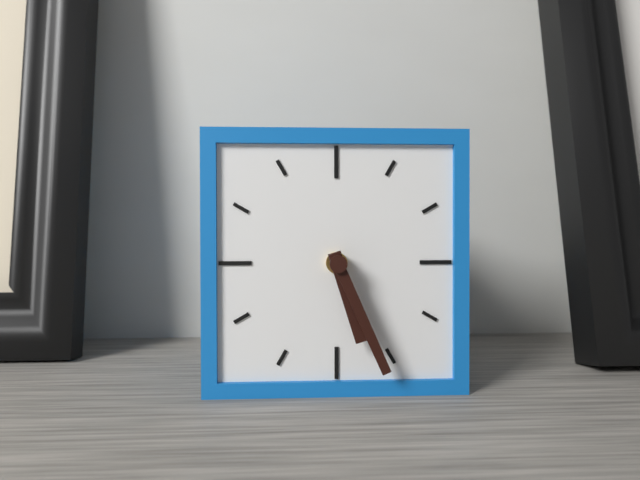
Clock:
5.26
